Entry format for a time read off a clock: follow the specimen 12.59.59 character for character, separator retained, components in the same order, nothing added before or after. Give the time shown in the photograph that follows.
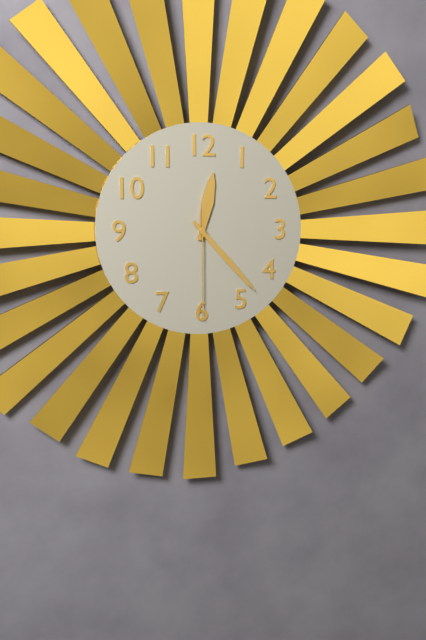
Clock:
12.23.30
